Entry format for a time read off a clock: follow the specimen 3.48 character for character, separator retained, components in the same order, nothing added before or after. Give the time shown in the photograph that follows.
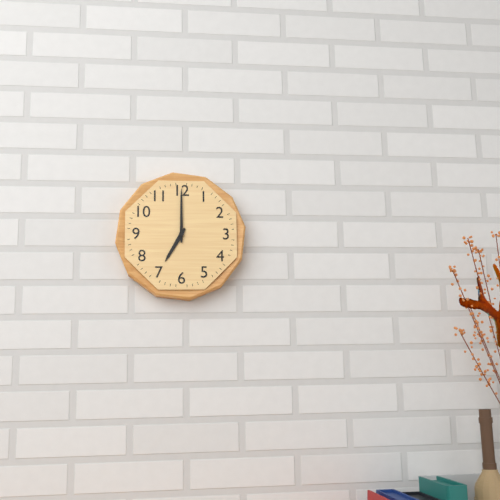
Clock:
7.00
